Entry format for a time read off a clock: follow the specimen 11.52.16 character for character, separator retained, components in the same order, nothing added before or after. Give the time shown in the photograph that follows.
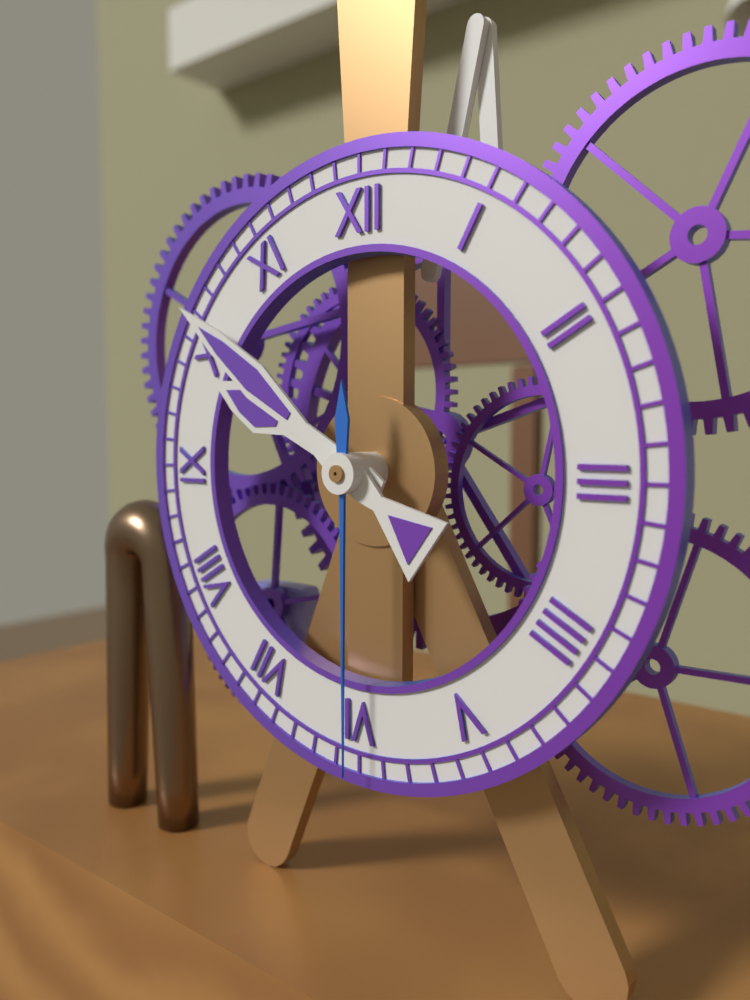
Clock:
9.51.30
